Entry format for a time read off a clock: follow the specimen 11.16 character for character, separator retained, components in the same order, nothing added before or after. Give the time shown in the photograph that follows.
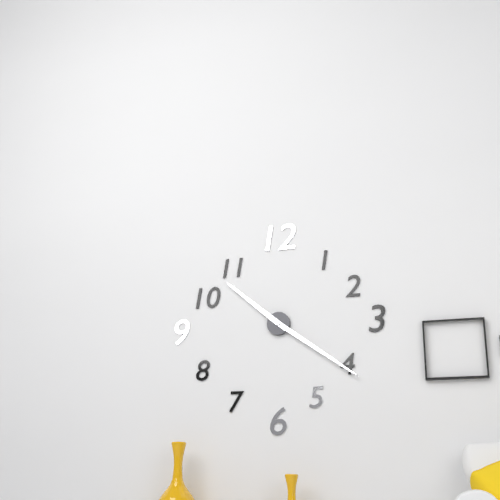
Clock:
10.21
